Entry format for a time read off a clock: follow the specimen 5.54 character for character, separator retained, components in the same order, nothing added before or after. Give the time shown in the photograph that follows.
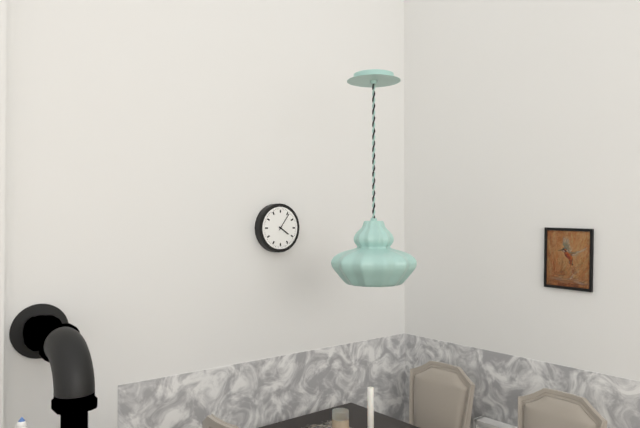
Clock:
4.06
